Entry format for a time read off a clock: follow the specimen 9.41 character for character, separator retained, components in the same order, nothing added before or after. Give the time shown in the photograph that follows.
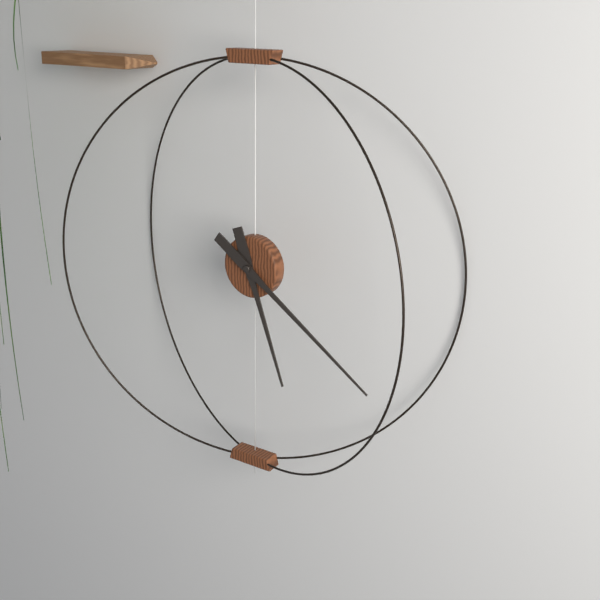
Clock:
5.21
